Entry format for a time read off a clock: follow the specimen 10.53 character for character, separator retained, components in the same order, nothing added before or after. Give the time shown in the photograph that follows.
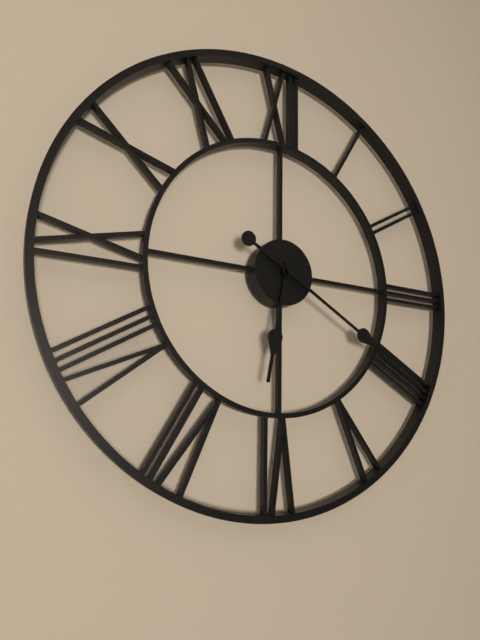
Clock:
6.20
